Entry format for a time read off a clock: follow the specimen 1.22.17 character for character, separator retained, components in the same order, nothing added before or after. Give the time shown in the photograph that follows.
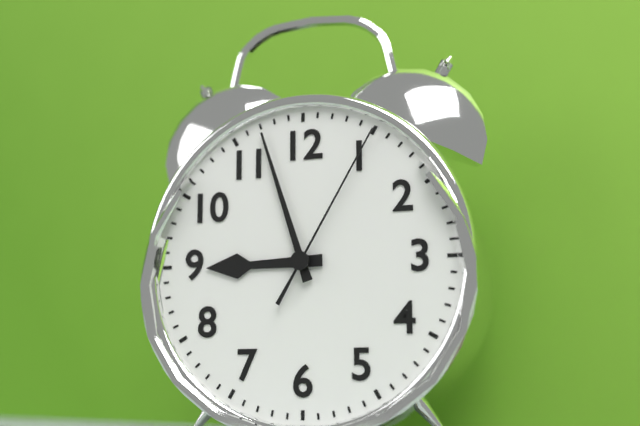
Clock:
8.57.05
